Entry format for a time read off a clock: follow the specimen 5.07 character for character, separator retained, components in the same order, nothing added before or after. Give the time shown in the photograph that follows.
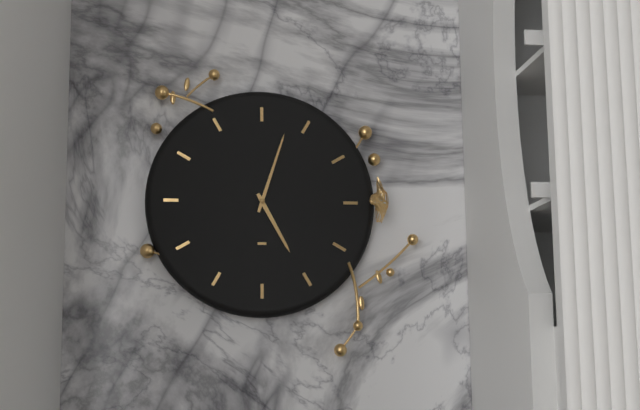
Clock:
5.03
